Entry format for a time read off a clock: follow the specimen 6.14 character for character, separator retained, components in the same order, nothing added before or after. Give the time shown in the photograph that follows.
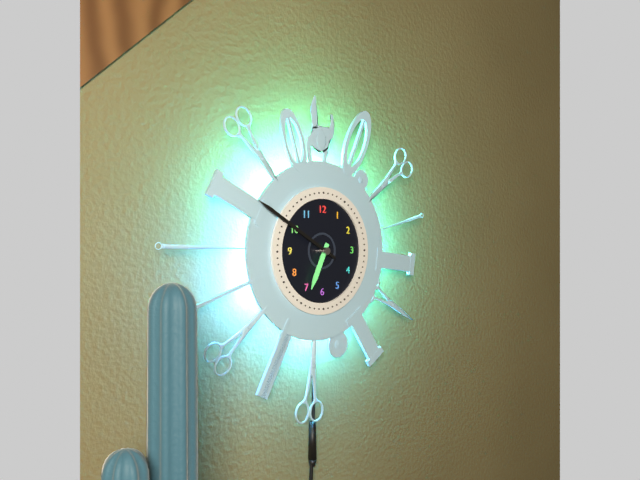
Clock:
6.50
